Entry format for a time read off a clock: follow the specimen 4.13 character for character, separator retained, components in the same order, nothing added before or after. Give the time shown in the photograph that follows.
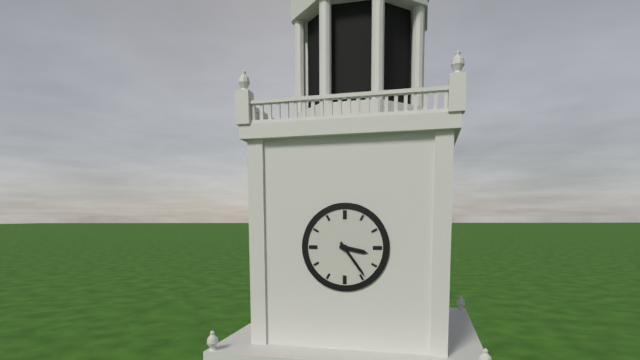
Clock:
3.24
